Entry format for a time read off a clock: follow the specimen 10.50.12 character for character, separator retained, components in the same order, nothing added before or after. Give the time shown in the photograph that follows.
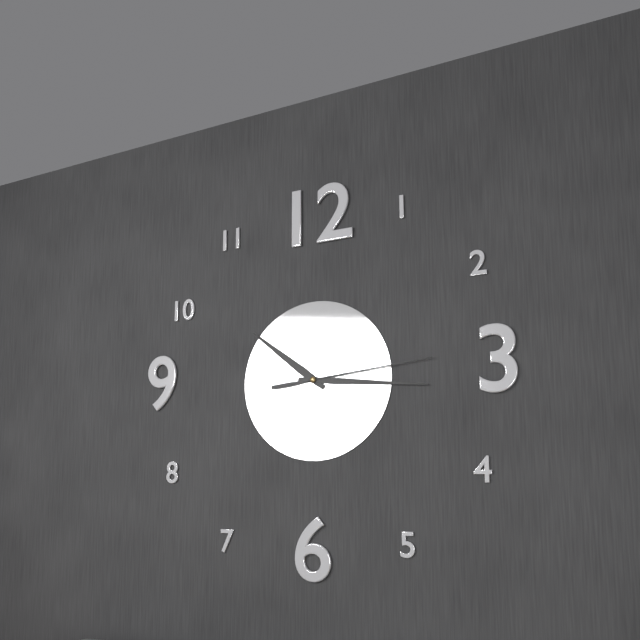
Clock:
10.16.14
